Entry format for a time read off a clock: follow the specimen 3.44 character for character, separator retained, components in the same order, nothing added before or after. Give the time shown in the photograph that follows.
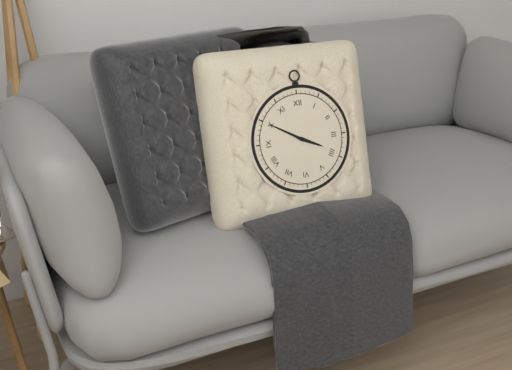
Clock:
3.50
